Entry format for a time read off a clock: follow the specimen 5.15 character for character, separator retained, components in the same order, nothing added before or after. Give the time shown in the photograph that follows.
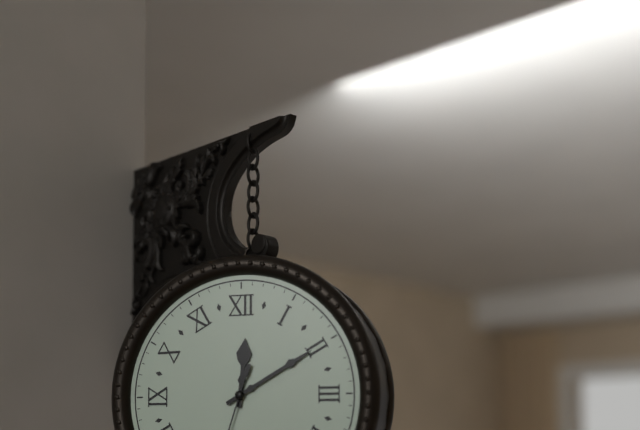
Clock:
12.10
